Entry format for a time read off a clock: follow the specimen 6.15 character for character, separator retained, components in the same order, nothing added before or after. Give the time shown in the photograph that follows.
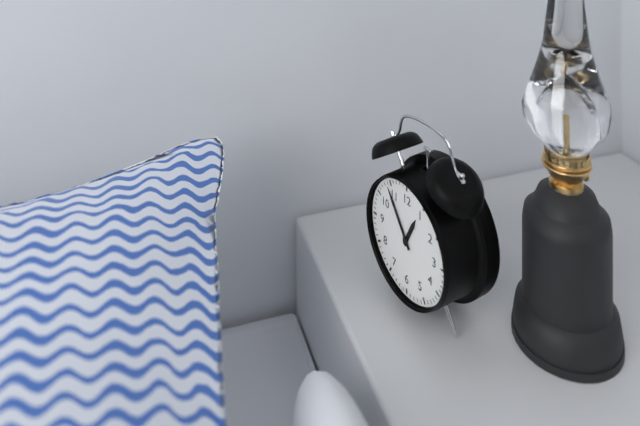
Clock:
12.54
